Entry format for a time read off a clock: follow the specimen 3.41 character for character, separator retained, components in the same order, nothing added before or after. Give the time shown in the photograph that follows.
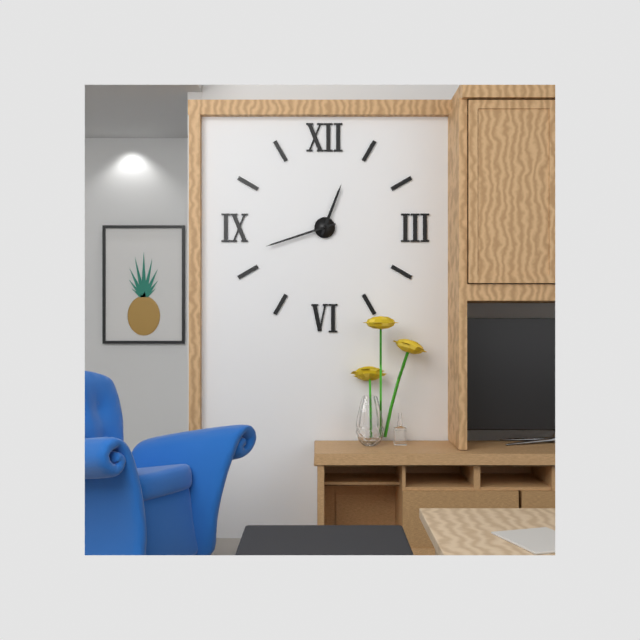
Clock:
12.42
